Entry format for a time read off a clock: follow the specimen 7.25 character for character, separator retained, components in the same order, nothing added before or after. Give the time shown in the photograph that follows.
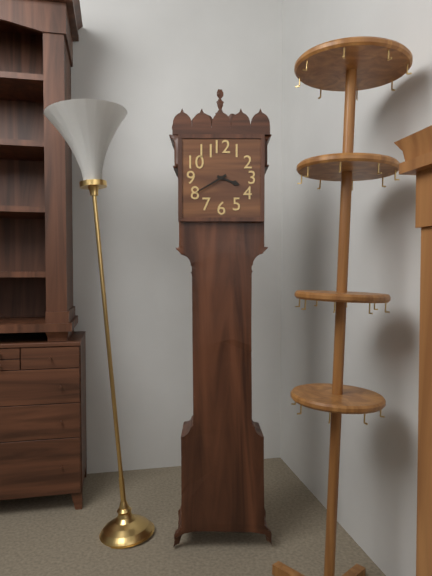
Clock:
3.40
